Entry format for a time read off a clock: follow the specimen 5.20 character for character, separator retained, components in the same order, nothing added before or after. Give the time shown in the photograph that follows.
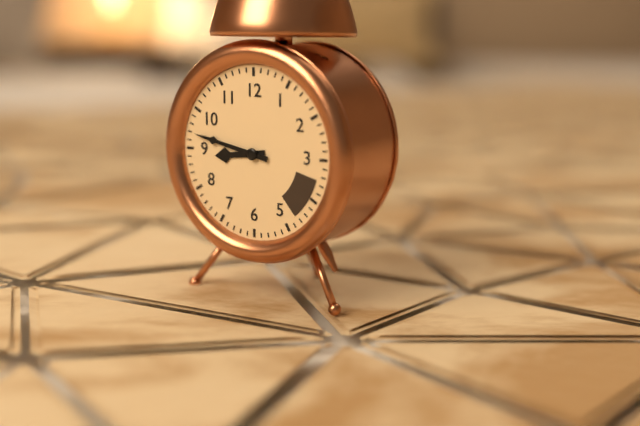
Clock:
8.47
